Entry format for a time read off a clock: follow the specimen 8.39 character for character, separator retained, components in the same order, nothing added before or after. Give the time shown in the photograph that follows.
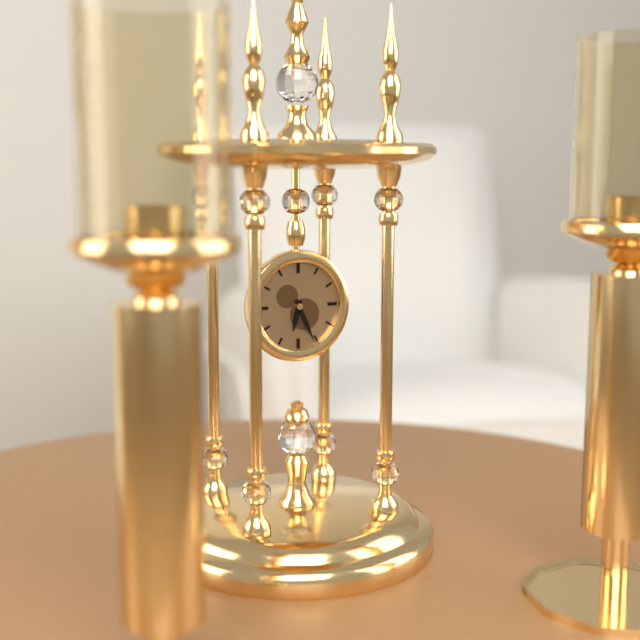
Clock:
6.26
